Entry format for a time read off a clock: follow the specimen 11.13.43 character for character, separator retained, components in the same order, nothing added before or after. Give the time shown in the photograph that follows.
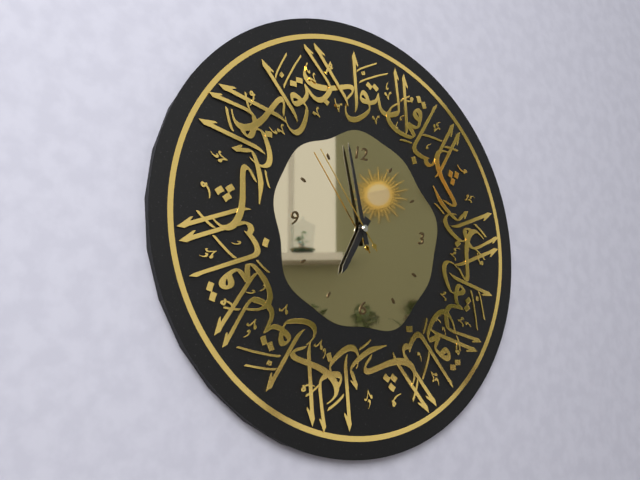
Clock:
6.58.54
